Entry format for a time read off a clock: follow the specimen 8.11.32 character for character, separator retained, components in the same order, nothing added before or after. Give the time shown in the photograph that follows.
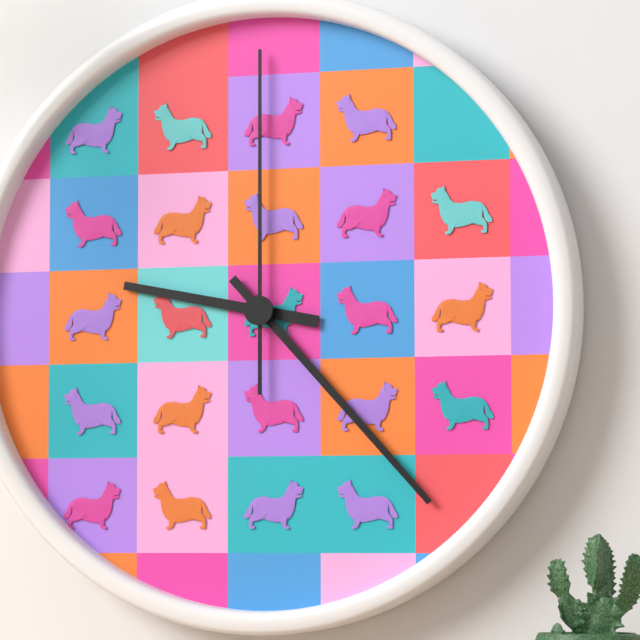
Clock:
9.23.00
